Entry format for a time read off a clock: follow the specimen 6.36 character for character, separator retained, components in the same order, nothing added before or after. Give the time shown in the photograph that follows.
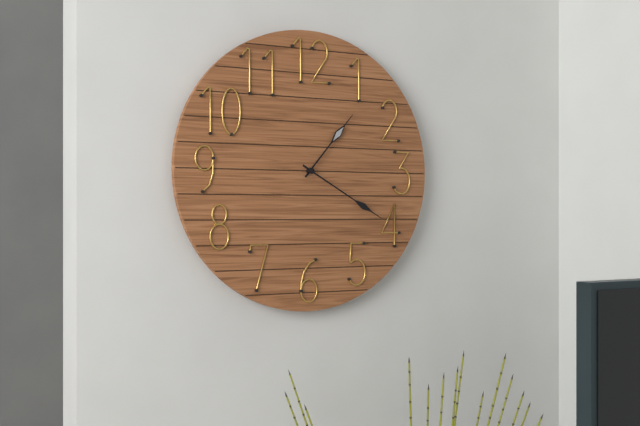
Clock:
1.20
